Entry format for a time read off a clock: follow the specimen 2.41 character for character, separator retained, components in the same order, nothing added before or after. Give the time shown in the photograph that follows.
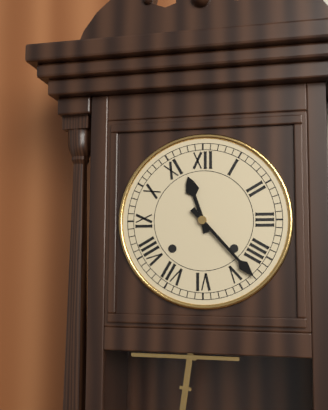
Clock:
11.23
